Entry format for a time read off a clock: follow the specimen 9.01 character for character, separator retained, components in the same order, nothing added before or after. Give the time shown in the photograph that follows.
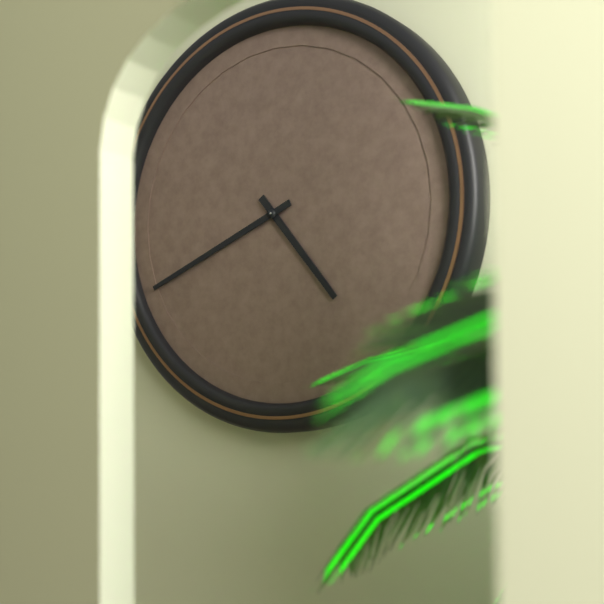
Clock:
4.41
